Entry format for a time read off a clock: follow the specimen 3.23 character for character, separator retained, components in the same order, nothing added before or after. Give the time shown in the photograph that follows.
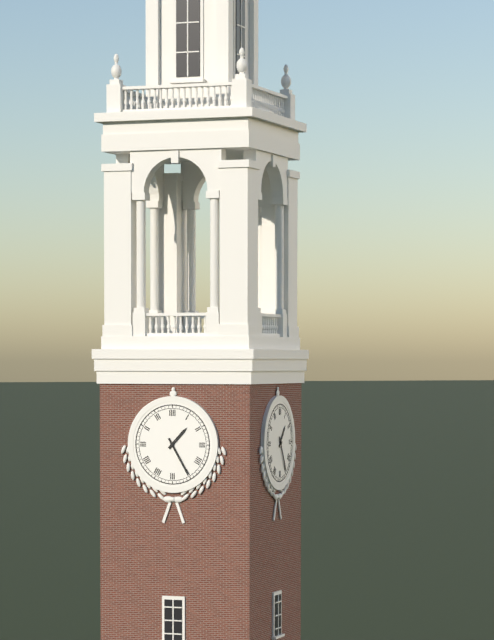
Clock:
1.25
